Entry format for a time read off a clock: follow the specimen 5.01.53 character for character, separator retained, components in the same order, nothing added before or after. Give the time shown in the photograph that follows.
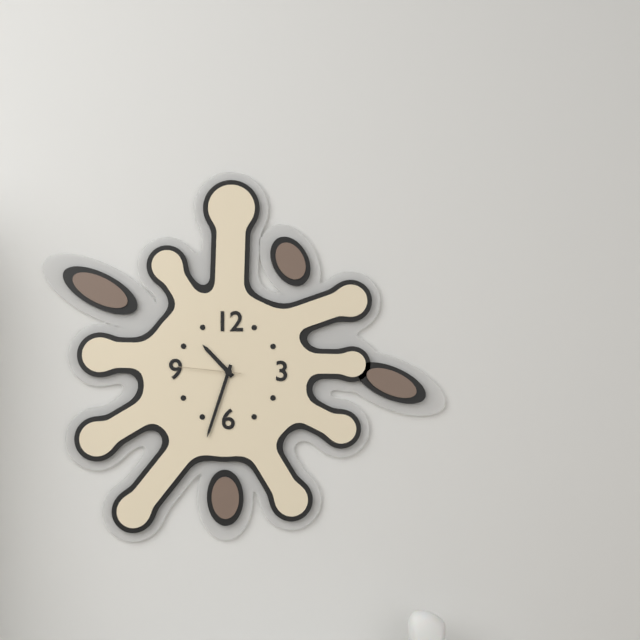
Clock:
10.33.46
